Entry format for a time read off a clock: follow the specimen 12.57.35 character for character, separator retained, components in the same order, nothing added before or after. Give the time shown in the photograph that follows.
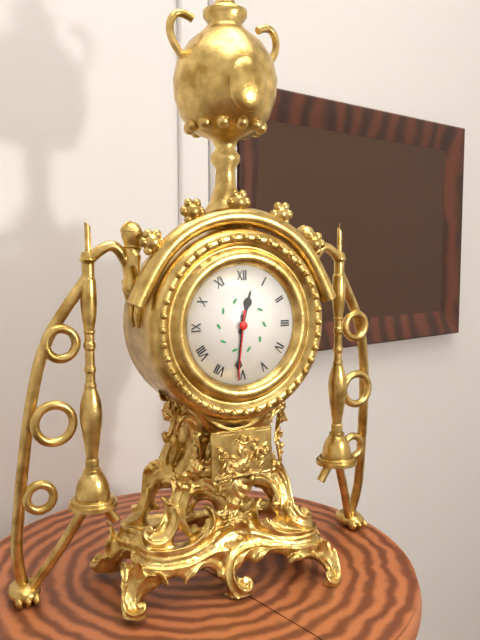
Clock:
12.31.31
